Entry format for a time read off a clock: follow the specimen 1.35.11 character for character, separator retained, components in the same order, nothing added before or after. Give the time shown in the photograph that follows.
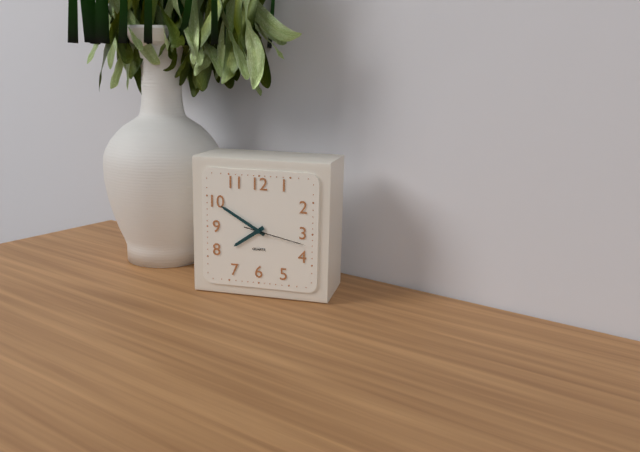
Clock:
7.50.17
